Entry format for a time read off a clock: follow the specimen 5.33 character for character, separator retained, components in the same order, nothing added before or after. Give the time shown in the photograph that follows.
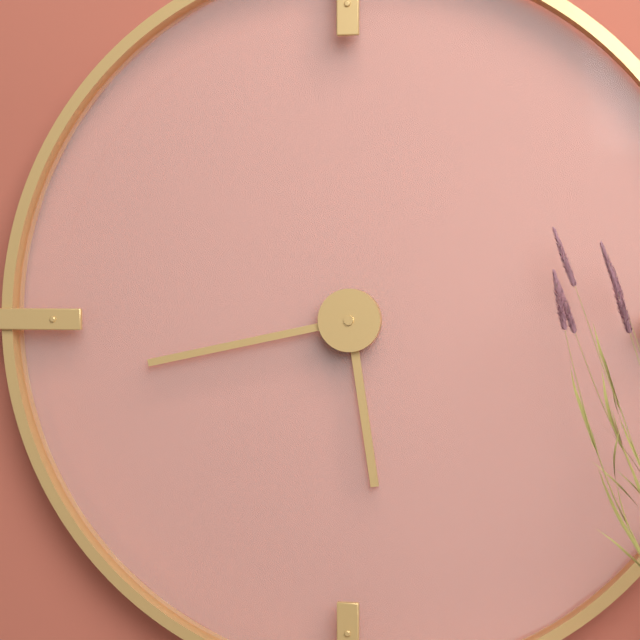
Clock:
5.43
